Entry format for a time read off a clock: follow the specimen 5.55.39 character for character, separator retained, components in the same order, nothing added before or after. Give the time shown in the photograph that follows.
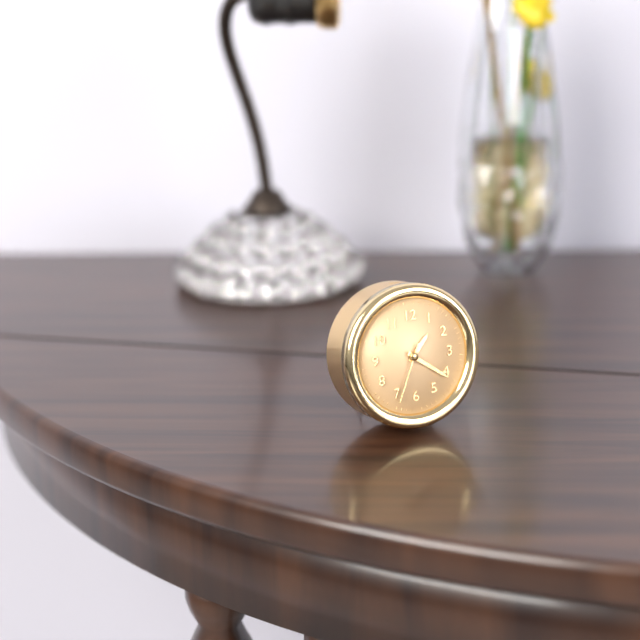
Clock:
1.21.34
